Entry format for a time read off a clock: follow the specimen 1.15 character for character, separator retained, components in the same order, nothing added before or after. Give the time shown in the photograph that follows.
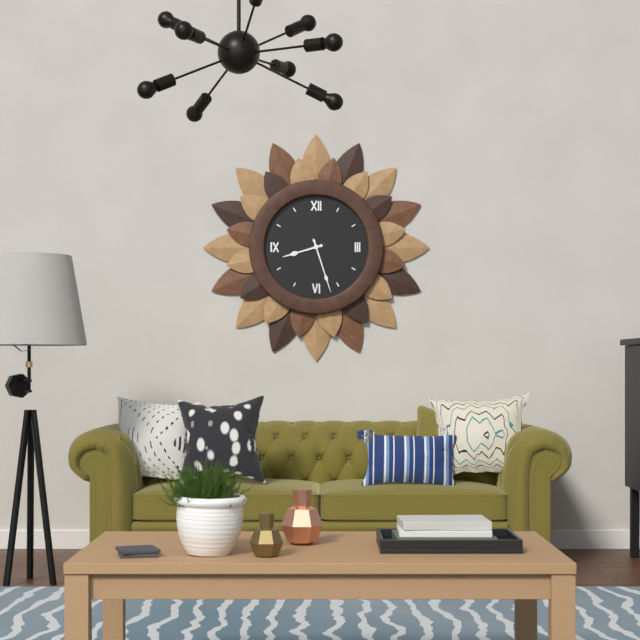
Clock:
8.27
